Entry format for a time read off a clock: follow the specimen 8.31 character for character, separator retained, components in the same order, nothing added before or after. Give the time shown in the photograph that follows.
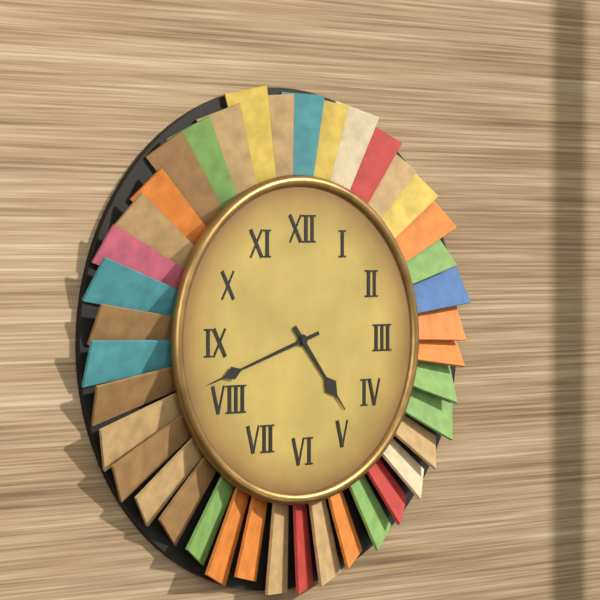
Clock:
4.42
